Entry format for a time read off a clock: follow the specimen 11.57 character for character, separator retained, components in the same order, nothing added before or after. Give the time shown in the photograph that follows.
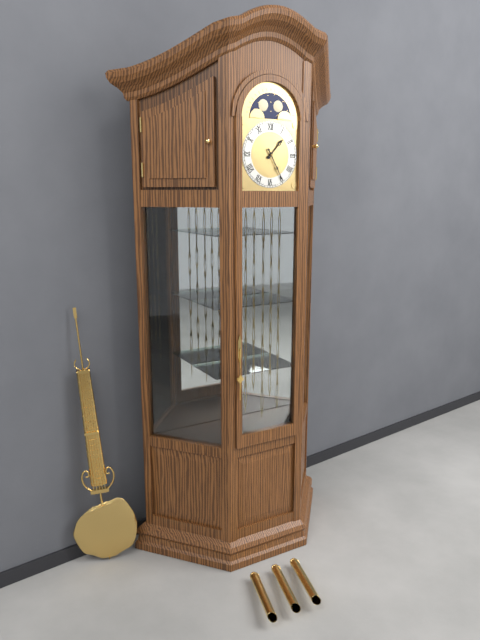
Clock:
1.25
